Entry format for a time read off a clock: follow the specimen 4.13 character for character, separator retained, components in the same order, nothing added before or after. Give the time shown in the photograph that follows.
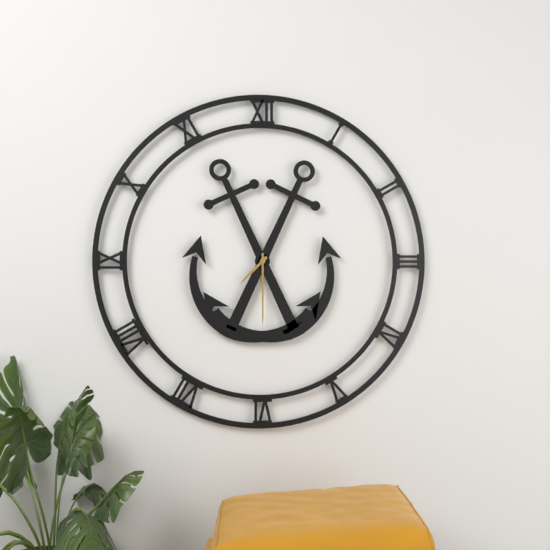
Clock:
7.30
